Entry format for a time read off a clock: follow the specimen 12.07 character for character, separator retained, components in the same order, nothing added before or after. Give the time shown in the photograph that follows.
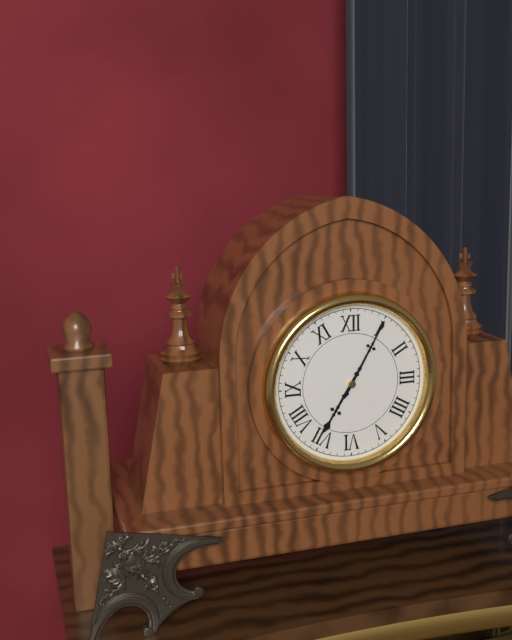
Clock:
7.05
